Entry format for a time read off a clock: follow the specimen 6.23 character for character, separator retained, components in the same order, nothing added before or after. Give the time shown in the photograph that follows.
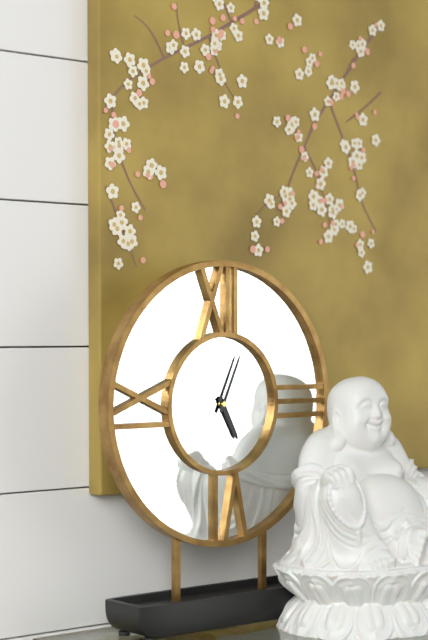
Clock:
5.04
